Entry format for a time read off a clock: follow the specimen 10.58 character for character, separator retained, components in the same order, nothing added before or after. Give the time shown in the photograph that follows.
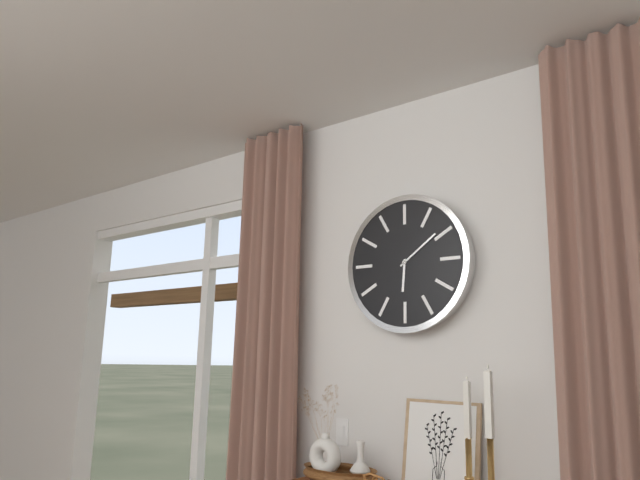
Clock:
6.09
